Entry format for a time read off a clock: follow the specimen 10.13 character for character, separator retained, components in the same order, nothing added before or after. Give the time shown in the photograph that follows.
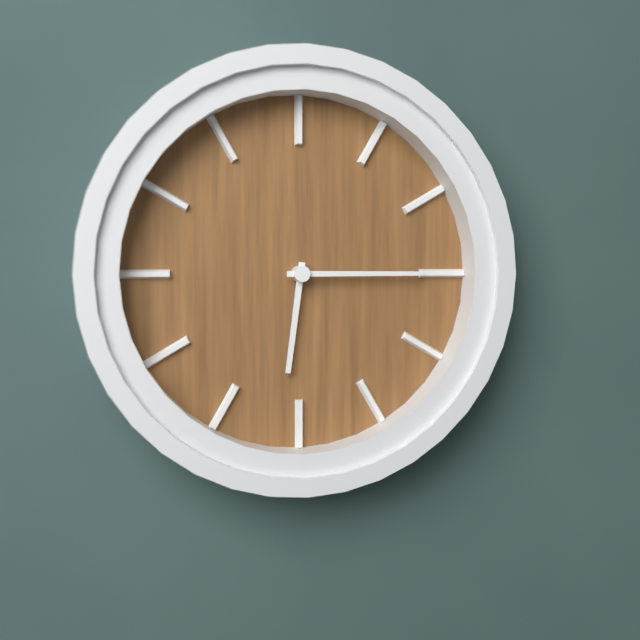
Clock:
6.15
